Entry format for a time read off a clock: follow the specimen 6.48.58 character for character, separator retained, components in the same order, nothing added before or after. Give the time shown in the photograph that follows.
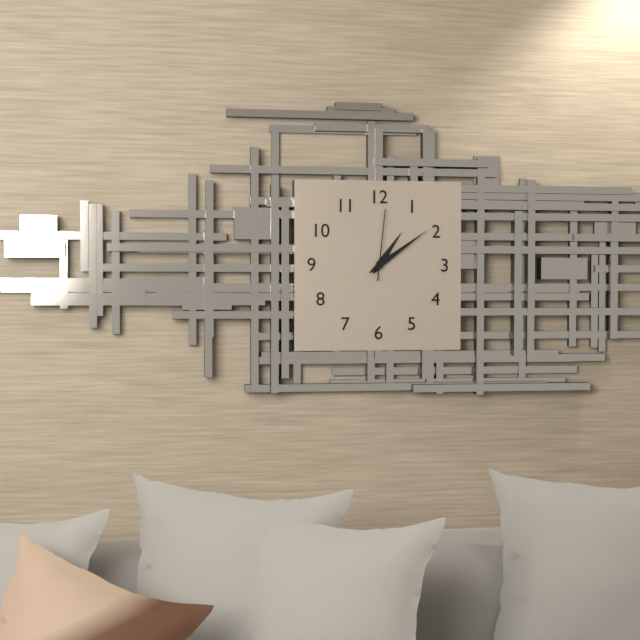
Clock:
1.09.01
